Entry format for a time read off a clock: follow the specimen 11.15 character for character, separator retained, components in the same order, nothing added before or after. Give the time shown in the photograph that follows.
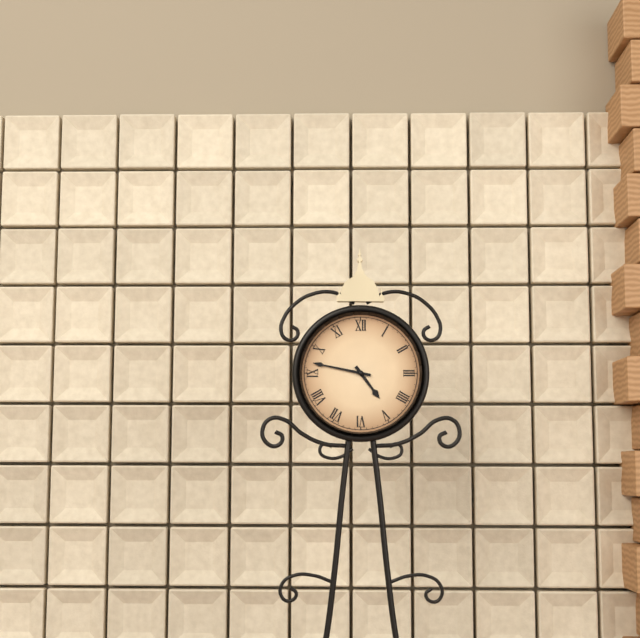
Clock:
4.47
